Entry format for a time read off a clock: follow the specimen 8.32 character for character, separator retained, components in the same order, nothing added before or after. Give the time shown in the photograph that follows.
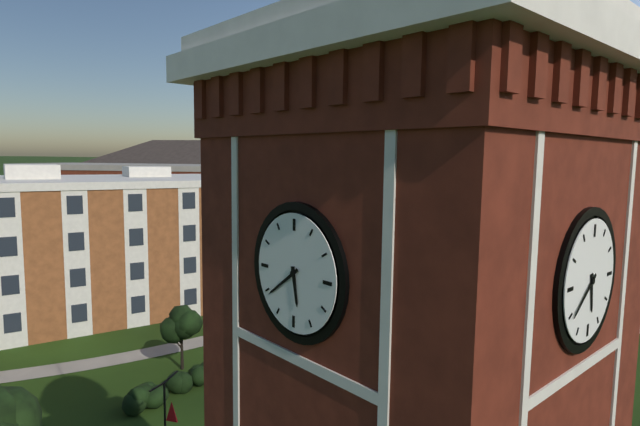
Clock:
5.39
